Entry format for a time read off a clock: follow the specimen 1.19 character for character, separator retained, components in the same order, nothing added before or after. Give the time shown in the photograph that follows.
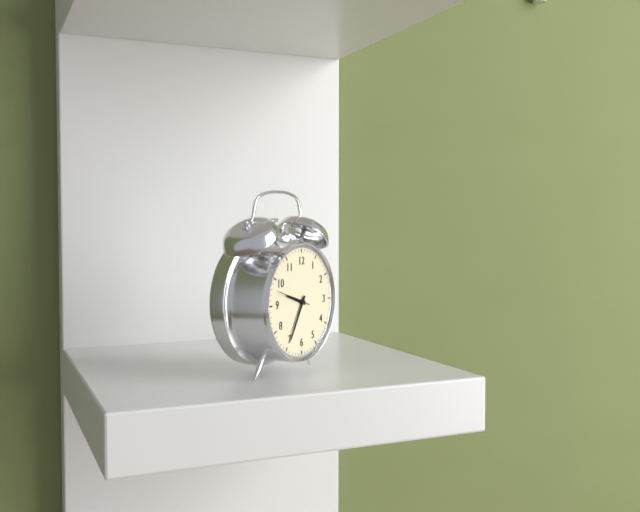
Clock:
9.35
